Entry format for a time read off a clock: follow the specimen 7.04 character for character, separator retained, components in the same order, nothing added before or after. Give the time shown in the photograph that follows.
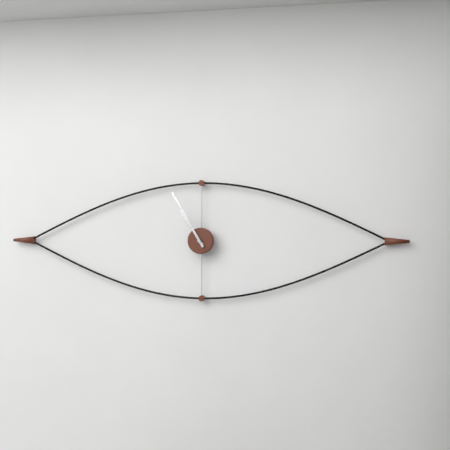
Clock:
10.55
